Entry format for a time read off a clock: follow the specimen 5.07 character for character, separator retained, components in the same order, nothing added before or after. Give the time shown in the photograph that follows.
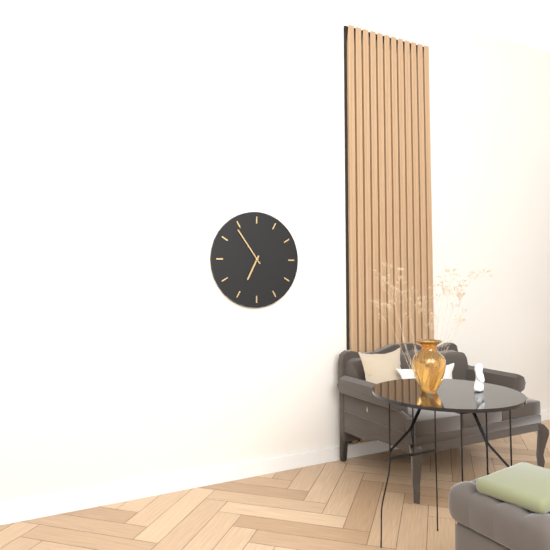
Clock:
6.54
